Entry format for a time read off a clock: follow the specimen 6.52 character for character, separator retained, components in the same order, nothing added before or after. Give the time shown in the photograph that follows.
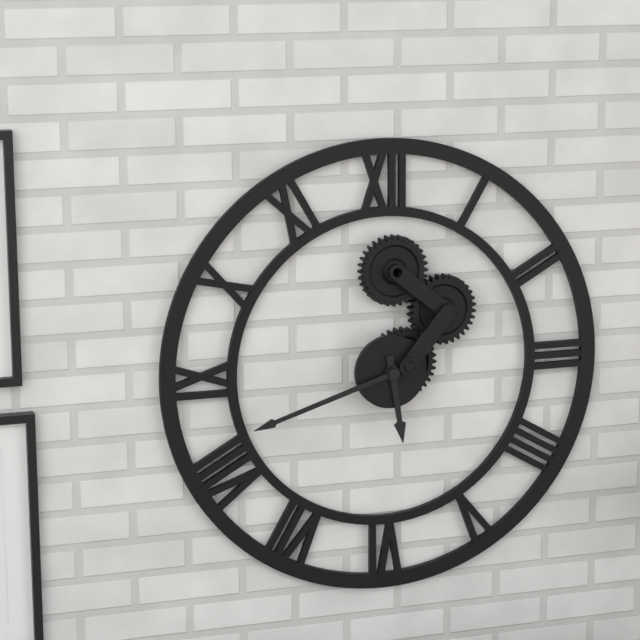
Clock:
5.42
